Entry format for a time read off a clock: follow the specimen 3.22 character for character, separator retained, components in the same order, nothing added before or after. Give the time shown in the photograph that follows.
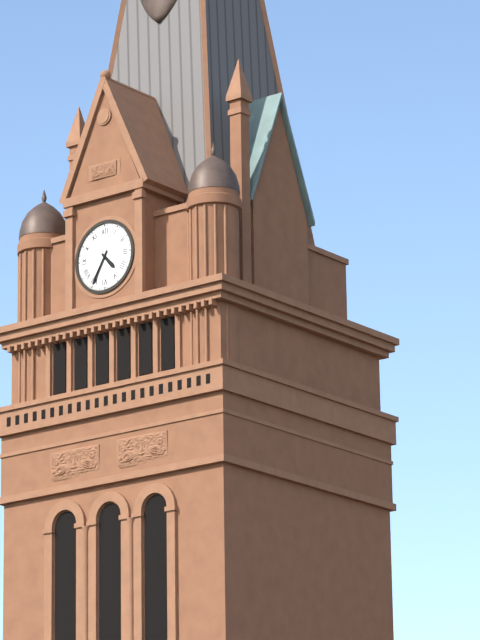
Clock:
4.35
